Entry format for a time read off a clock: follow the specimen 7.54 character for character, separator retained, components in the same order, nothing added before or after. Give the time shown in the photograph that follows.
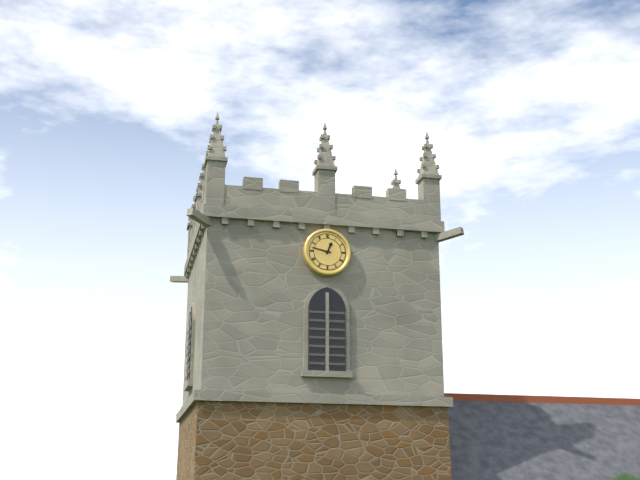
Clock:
12.47
